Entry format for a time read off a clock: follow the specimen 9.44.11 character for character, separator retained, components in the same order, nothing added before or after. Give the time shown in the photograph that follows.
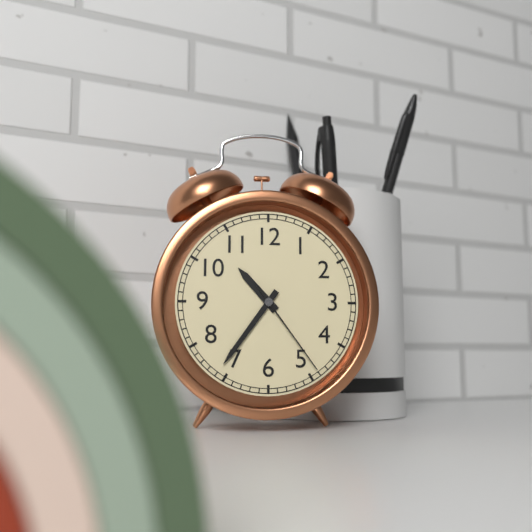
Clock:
10.36.24
